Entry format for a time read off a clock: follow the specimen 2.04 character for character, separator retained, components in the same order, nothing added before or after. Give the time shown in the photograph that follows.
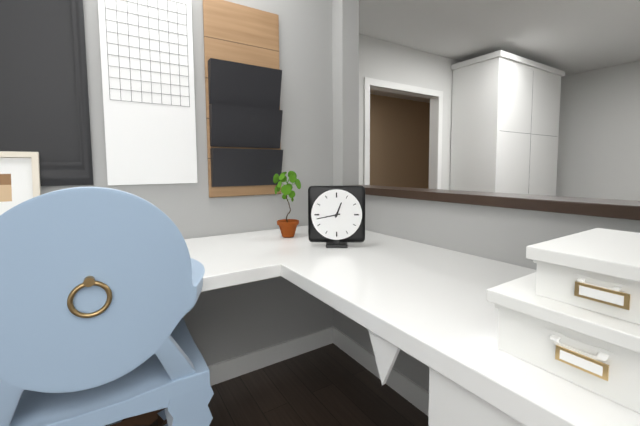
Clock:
12.43
